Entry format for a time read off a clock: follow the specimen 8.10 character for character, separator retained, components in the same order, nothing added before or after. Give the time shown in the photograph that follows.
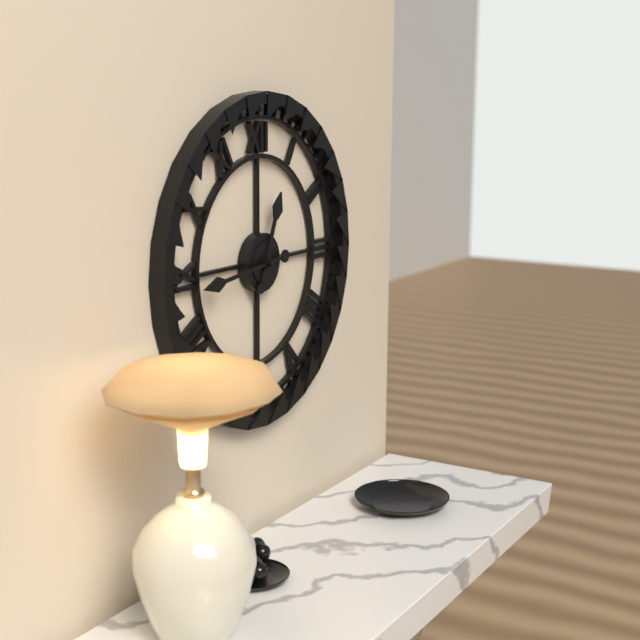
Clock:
12.44
